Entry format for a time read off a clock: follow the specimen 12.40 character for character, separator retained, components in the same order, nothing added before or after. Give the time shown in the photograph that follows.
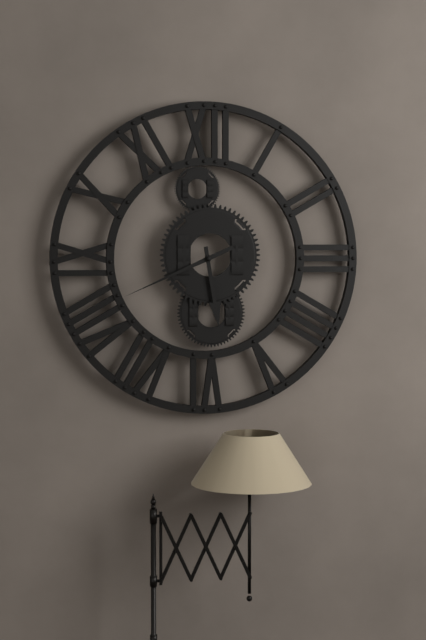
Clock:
5.41
